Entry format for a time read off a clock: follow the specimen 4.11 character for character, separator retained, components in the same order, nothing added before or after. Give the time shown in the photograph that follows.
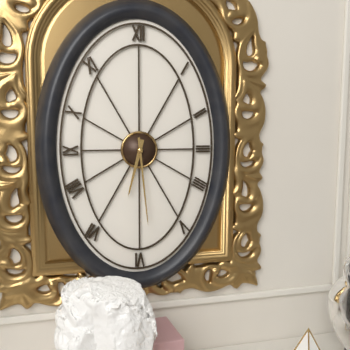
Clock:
6.29
